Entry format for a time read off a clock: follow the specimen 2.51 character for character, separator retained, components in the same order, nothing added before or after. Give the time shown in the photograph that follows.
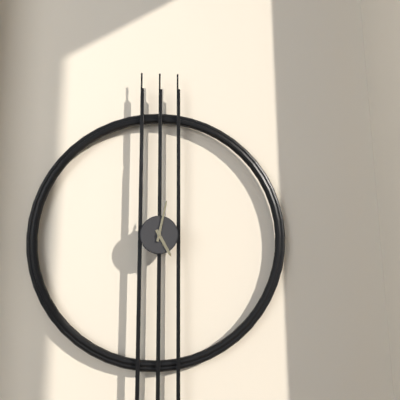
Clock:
5.02
